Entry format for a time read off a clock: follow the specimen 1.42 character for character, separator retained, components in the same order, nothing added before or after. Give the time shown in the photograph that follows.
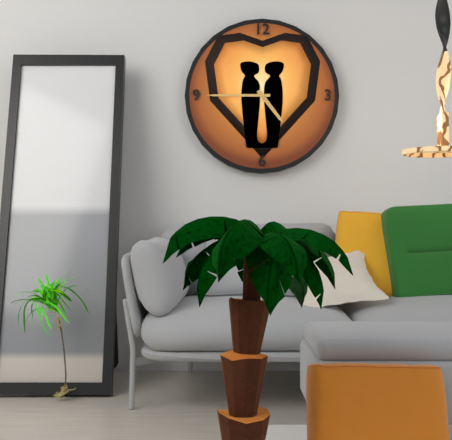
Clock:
4.45
